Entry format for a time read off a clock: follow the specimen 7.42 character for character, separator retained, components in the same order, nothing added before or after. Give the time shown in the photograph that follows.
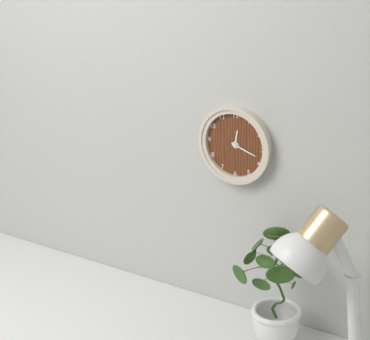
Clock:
12.18
